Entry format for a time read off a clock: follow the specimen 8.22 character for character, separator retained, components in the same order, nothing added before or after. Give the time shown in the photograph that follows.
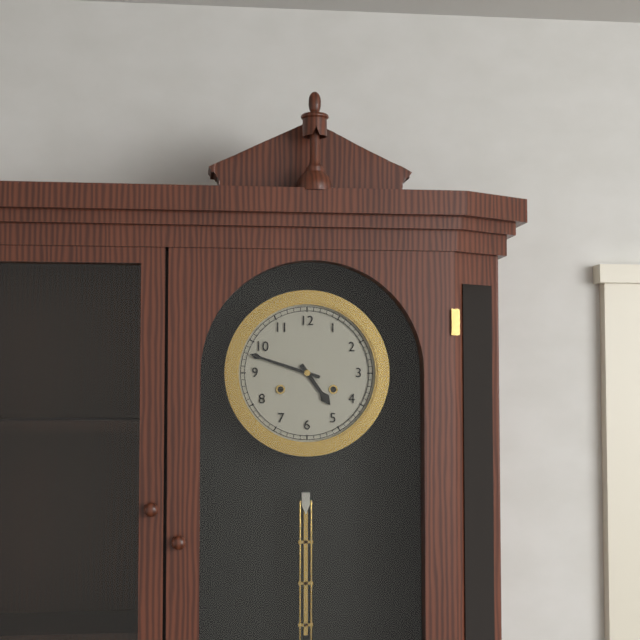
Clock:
4.48
